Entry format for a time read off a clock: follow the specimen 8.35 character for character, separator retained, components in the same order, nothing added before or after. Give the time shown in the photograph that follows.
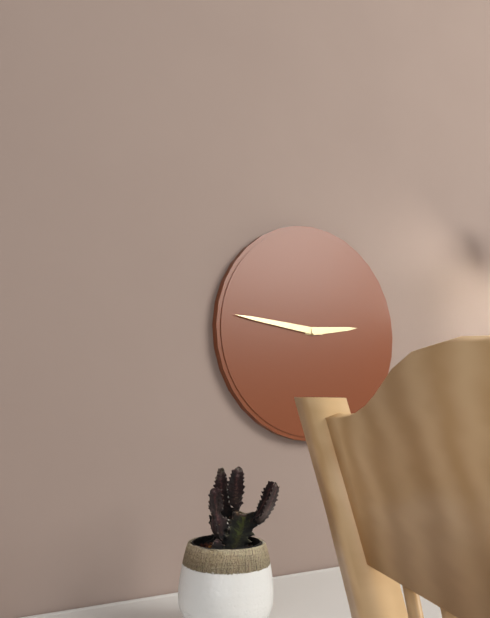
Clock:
2.46
